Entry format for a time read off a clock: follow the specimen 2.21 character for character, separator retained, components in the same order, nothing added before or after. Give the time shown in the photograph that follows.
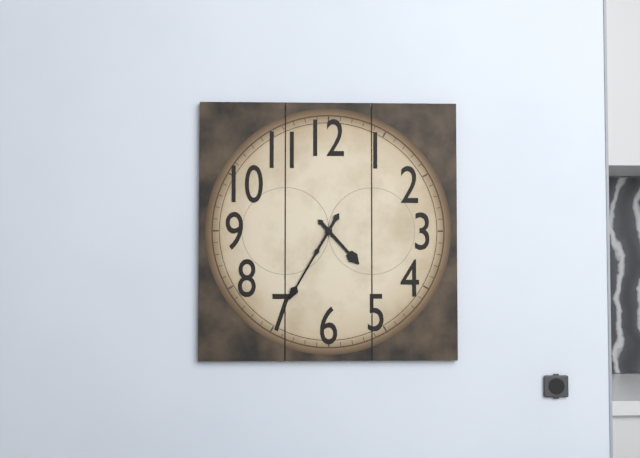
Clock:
4.35
